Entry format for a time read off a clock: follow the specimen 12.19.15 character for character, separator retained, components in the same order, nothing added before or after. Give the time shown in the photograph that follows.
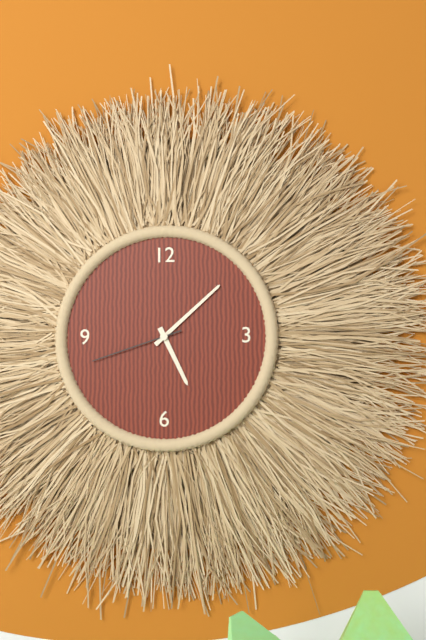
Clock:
5.08.42
